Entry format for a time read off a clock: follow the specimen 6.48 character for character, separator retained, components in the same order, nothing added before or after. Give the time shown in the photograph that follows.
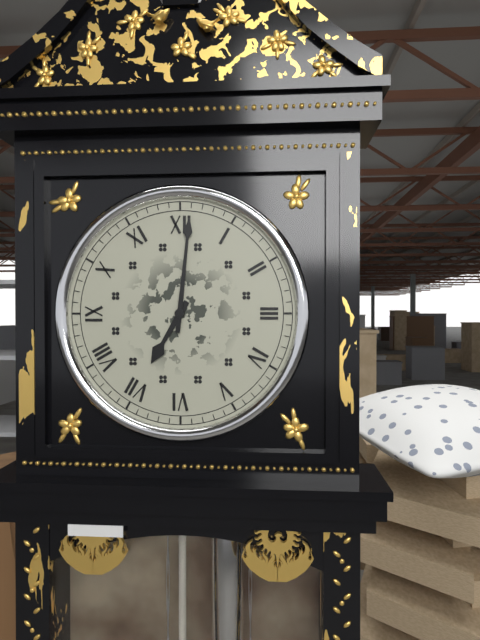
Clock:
7.01
